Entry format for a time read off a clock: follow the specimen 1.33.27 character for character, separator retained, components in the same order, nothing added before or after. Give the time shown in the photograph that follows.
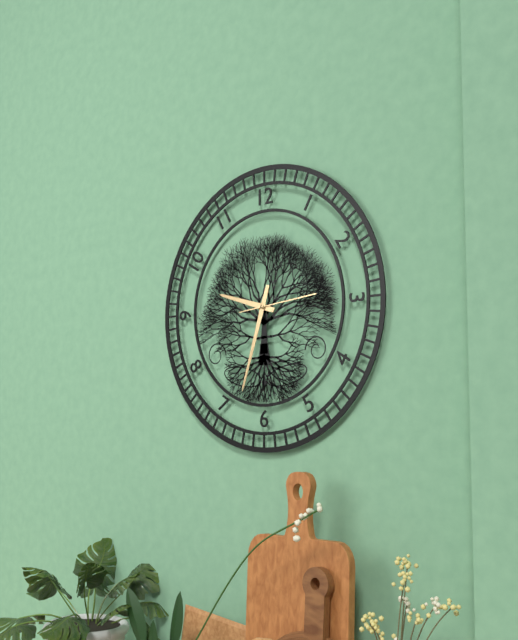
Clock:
9.33.14
